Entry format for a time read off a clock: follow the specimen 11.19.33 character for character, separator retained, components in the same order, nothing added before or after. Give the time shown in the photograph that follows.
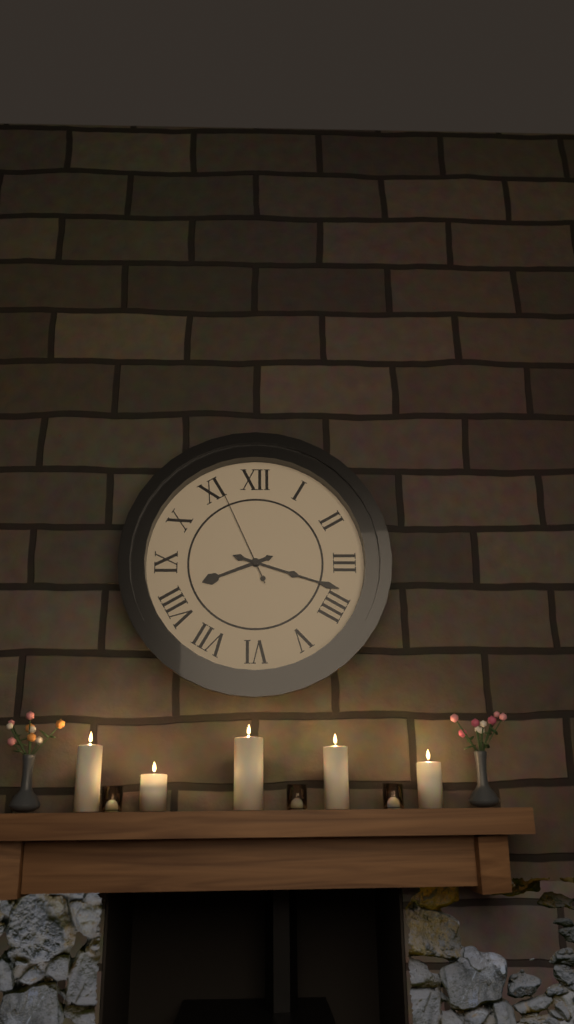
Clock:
8.18.56
